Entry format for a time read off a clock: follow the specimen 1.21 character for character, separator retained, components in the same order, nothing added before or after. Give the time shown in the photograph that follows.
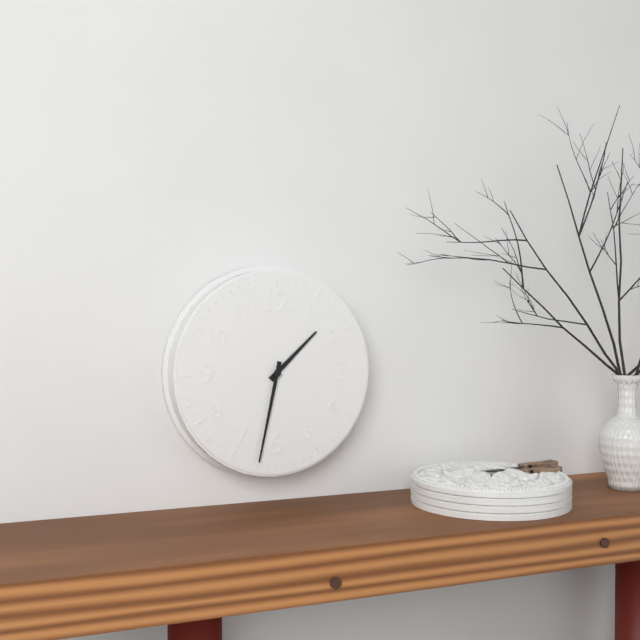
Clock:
1.32
